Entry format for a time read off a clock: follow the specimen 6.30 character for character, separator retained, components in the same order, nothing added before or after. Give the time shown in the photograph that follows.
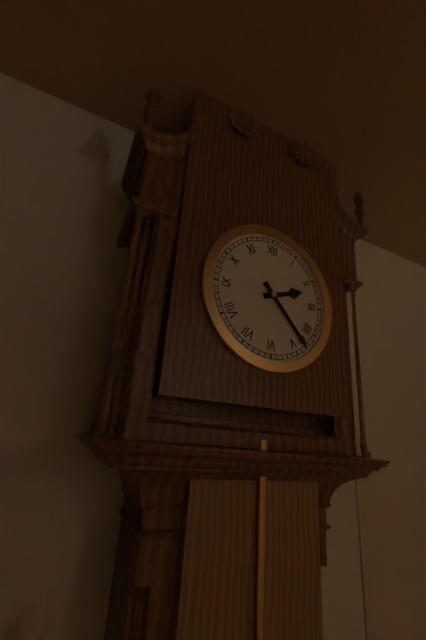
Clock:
2.23
